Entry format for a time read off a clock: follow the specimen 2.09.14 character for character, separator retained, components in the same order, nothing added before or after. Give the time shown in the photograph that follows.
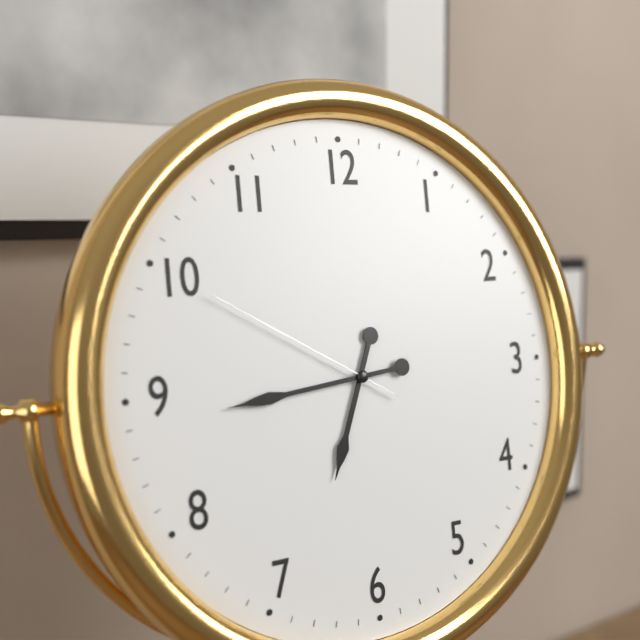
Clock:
6.44.50
